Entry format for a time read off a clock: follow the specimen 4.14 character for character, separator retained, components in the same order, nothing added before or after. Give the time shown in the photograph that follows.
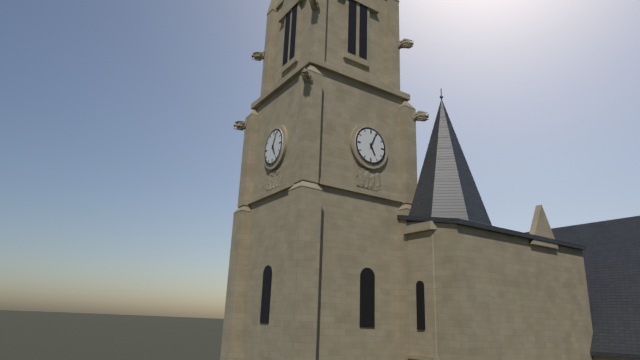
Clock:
5.04
